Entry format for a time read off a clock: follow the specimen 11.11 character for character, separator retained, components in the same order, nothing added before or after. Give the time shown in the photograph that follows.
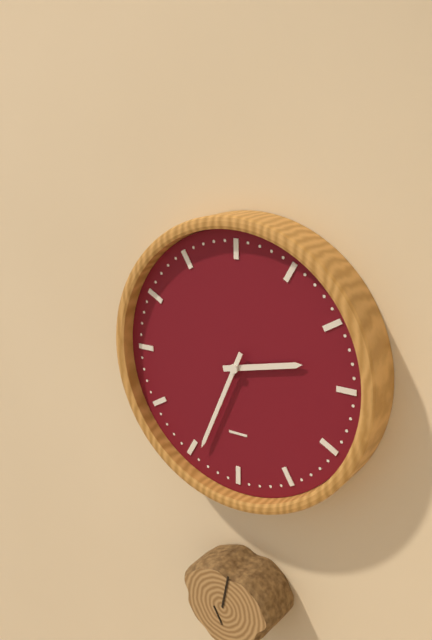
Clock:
2.34
